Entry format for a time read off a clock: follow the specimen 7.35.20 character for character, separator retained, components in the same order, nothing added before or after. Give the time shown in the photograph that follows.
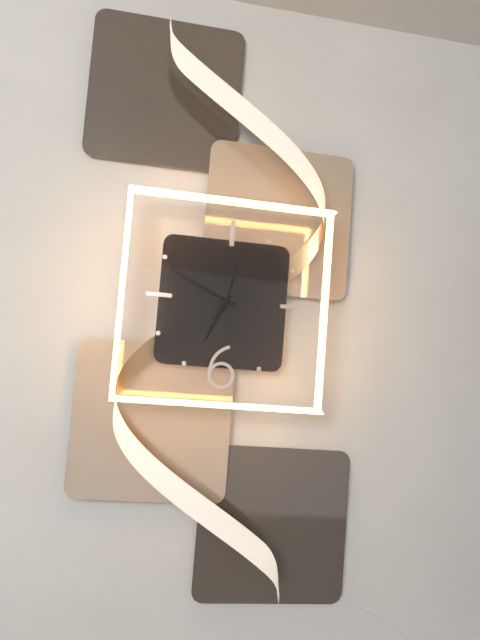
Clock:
6.49.02
